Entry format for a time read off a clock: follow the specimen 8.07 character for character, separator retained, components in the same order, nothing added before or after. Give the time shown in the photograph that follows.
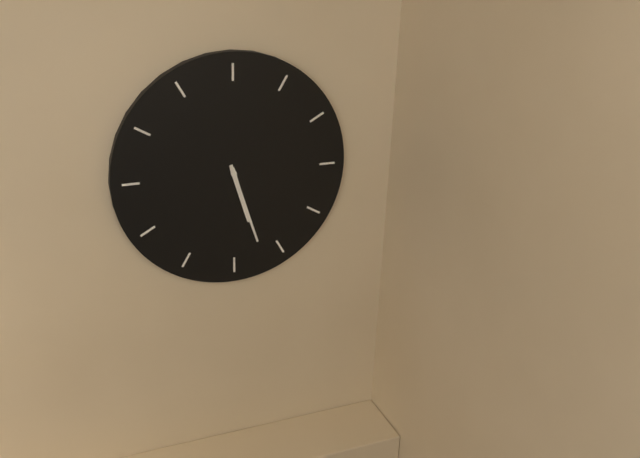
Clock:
5.27
